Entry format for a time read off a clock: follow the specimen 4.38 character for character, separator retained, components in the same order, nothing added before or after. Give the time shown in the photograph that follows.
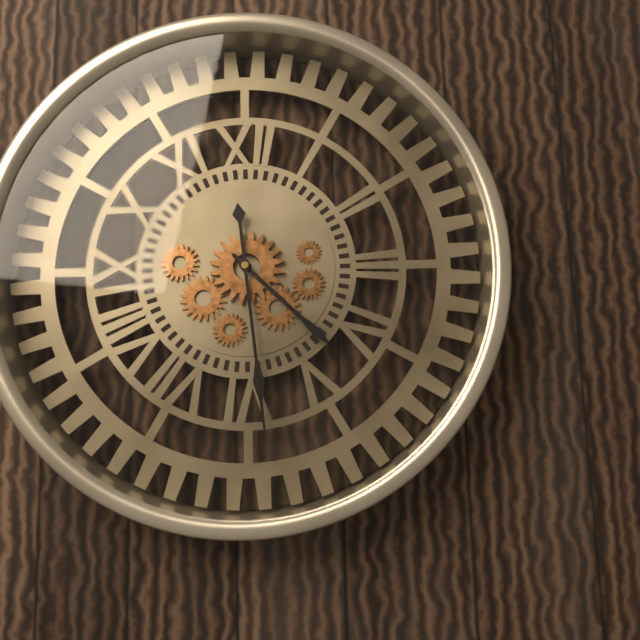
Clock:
4.29
